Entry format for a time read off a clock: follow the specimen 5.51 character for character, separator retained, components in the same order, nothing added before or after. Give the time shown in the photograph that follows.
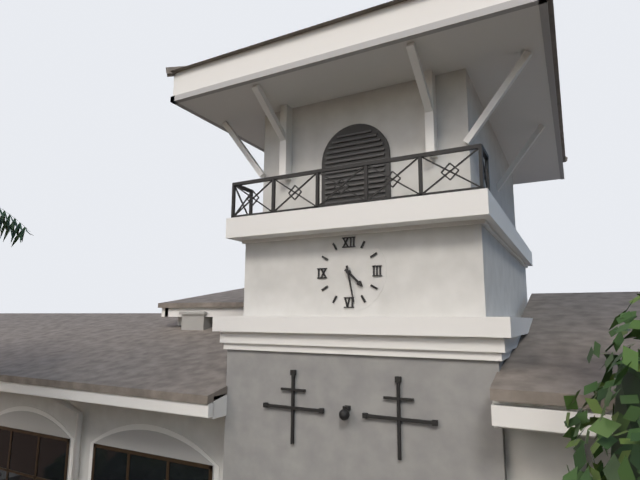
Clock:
4.28
